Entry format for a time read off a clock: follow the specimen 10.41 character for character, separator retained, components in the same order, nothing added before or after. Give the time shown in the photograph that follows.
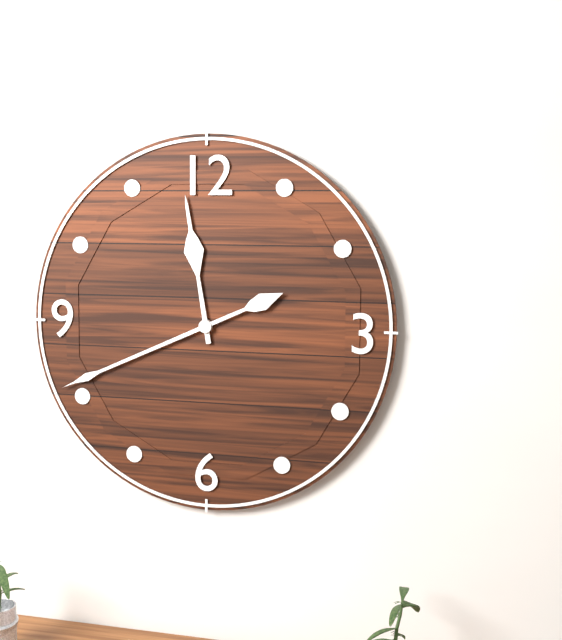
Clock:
11.41
